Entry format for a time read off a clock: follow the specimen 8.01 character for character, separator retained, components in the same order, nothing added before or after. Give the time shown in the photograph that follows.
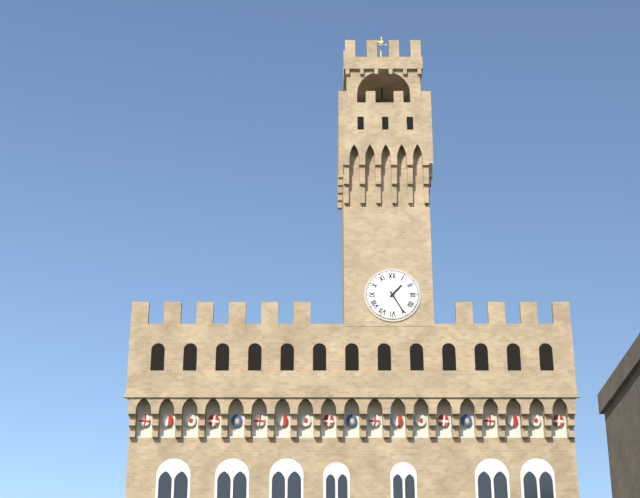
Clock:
1.25
